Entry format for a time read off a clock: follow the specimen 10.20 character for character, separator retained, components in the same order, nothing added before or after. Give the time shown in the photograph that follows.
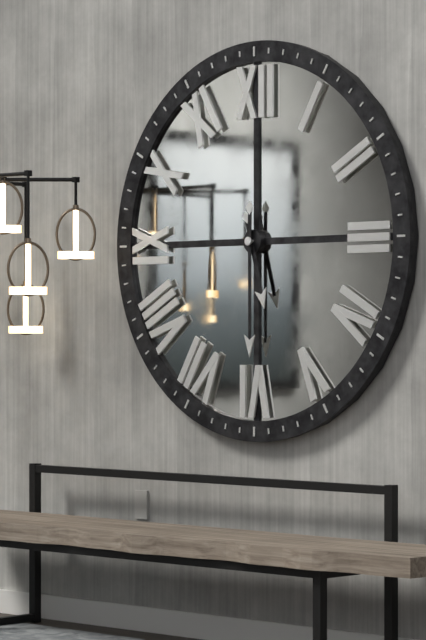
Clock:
5.30
